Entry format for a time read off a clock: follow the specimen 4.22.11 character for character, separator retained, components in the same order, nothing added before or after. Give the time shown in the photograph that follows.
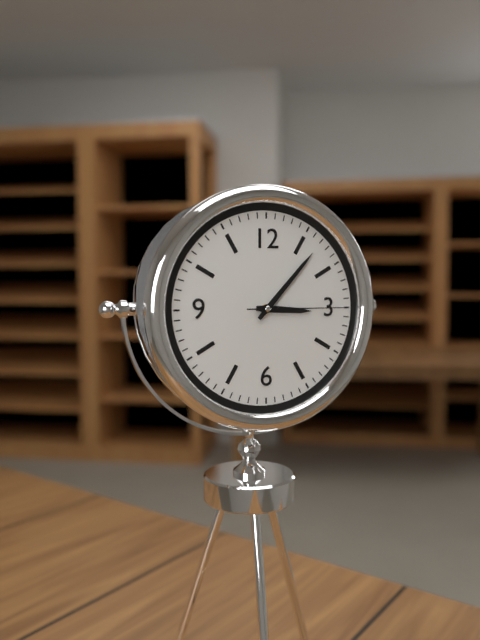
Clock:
3.07.15
